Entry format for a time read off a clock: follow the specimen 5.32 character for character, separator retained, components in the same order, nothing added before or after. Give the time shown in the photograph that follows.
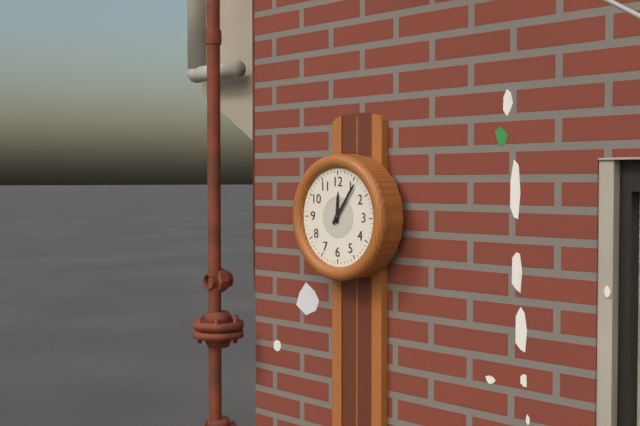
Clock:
12.06
